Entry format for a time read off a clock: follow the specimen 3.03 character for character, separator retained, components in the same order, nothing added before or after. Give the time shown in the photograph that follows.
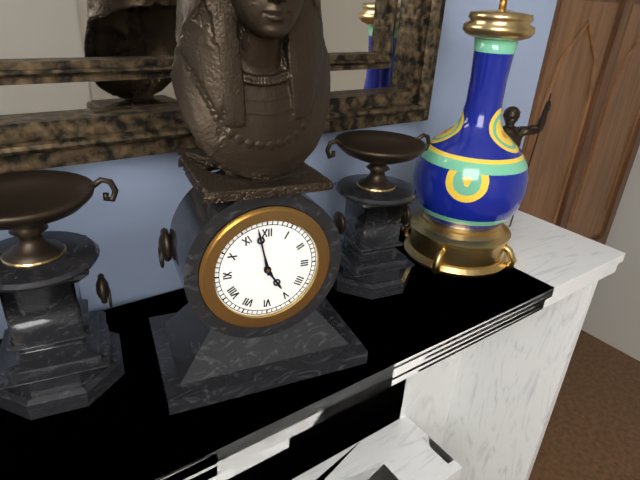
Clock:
4.58
